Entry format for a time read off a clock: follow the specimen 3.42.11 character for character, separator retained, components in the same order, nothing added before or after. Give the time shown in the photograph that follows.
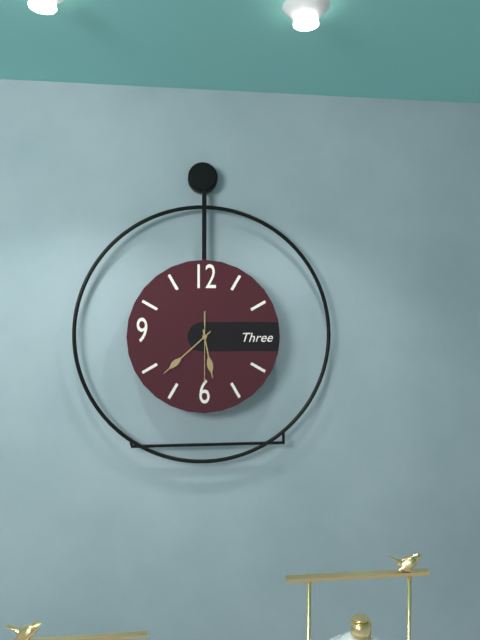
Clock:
5.38.30
